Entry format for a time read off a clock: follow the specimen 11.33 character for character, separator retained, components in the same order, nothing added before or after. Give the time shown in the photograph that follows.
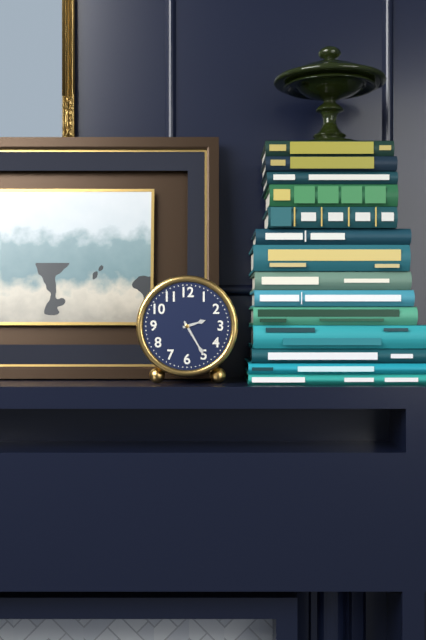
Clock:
2.25
